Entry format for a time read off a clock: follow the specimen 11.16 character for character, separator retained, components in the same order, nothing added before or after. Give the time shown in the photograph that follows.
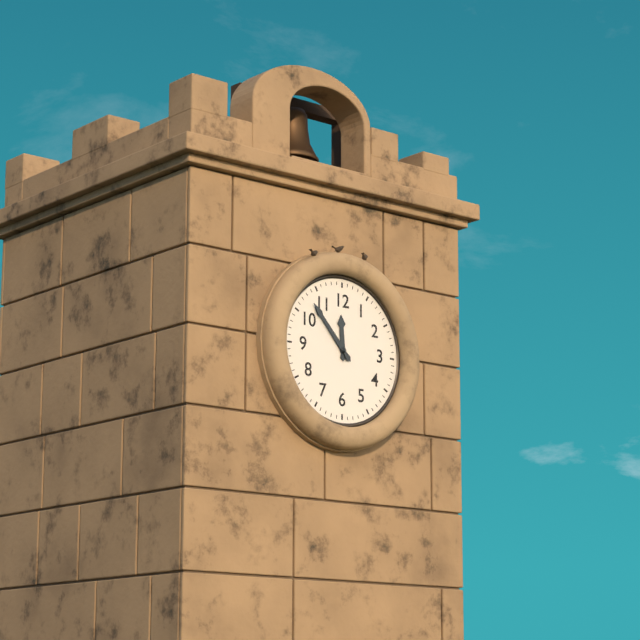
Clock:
11.53
